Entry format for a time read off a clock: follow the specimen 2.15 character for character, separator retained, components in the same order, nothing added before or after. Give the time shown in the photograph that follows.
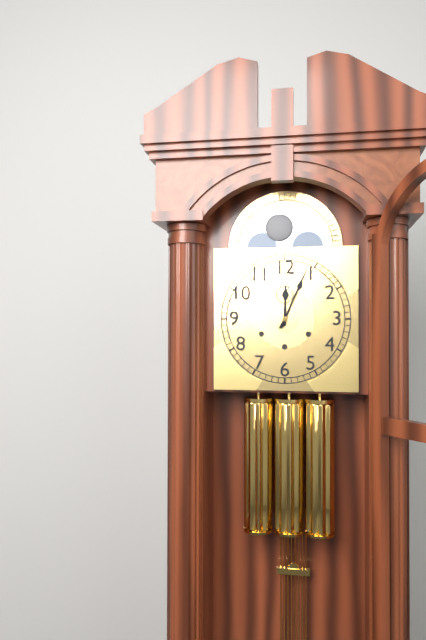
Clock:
12.04
